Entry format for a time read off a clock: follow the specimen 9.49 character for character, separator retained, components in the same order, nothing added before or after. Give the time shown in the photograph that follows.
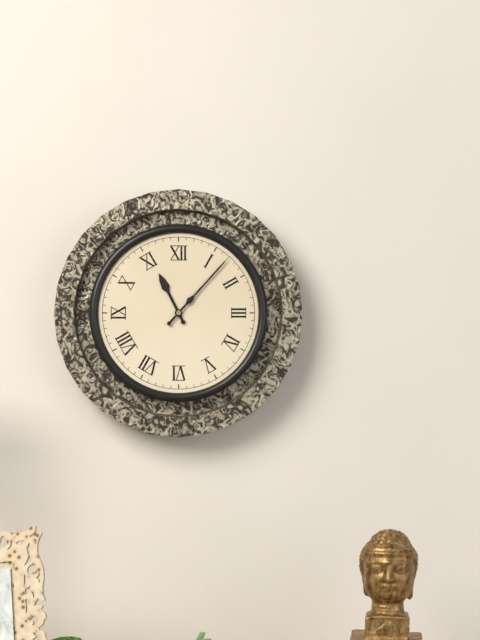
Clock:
11.07
